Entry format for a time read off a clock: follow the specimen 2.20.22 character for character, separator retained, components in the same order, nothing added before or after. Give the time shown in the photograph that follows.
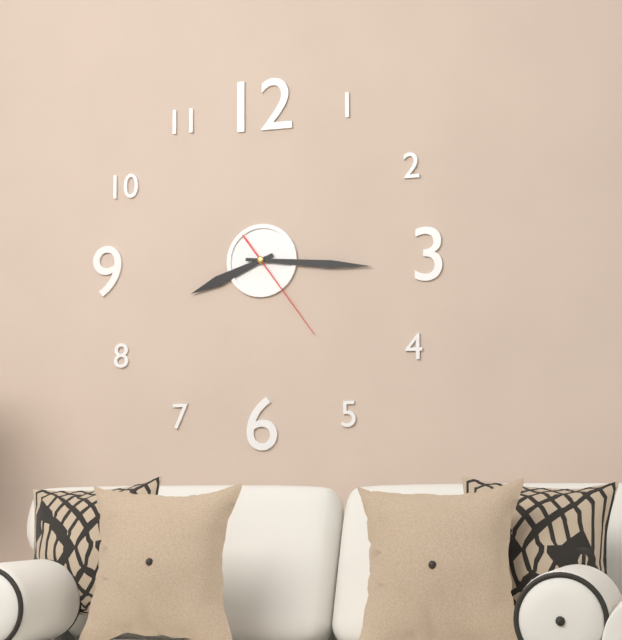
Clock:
8.16.24
